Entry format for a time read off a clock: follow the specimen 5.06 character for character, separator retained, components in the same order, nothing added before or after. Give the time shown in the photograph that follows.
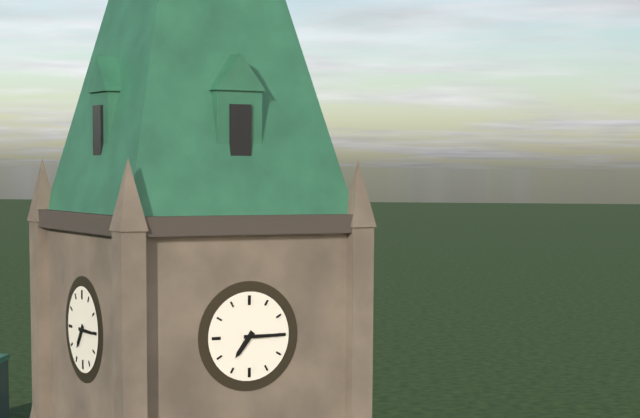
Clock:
7.15
